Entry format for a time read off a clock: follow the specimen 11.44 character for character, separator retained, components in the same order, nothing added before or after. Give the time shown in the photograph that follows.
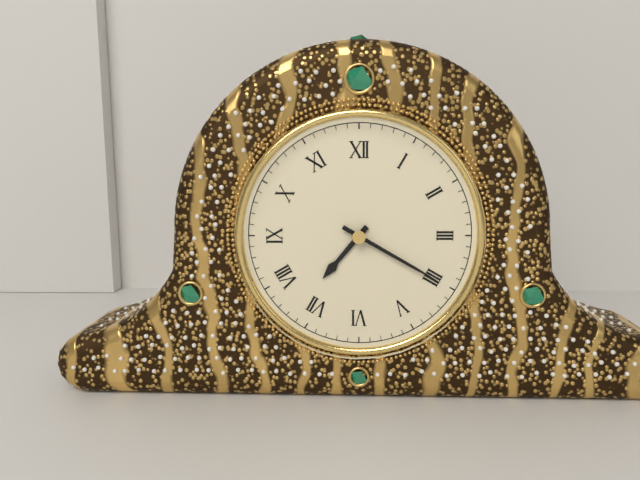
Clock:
7.20
